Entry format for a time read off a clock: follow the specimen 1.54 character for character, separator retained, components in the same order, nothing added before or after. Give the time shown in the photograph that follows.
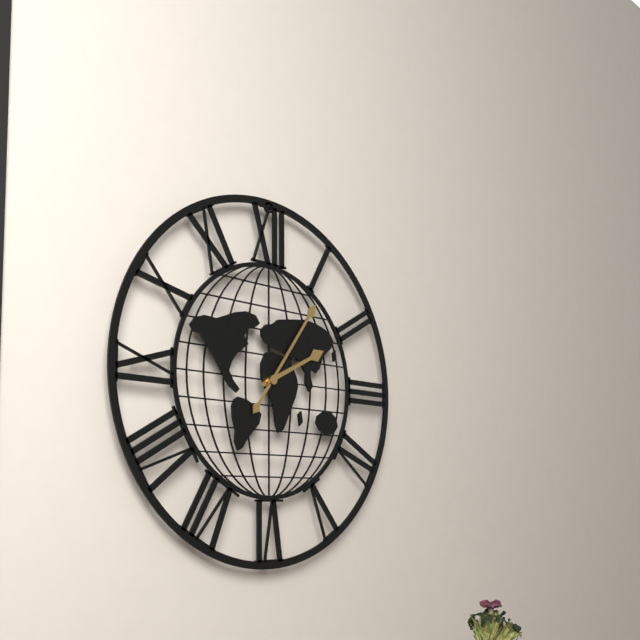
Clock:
2.06
